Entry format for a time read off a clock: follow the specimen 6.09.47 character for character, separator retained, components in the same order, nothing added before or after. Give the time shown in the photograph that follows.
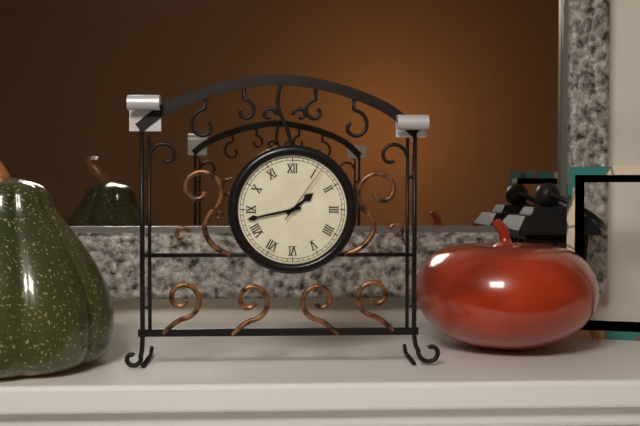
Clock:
1.43.06
